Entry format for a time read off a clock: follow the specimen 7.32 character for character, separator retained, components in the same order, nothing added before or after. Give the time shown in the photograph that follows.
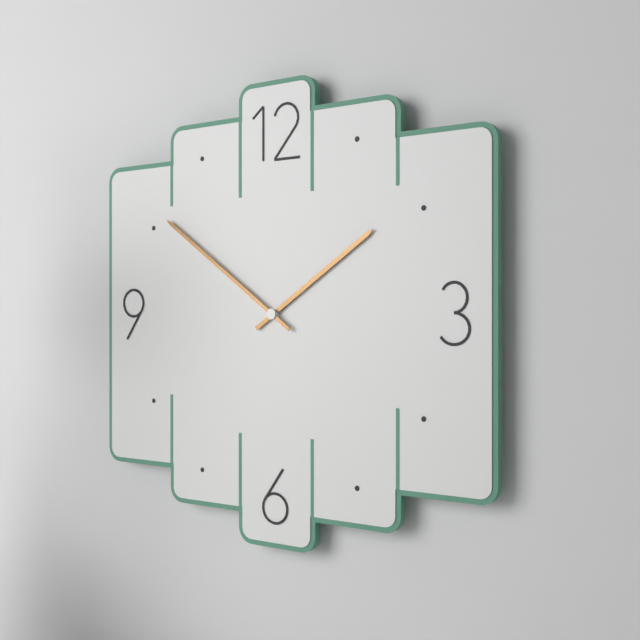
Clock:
1.51
